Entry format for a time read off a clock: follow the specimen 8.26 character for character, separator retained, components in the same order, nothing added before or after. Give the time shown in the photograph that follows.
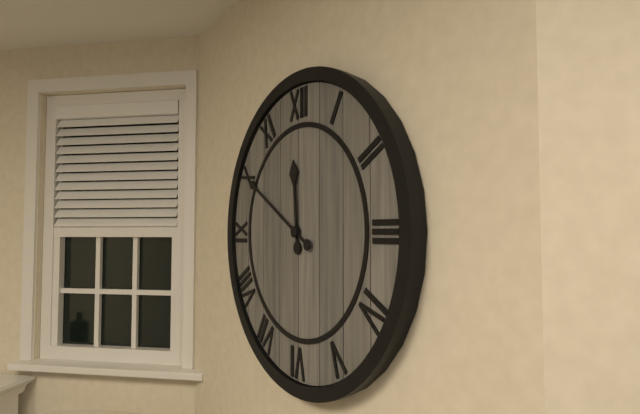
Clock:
11.50
